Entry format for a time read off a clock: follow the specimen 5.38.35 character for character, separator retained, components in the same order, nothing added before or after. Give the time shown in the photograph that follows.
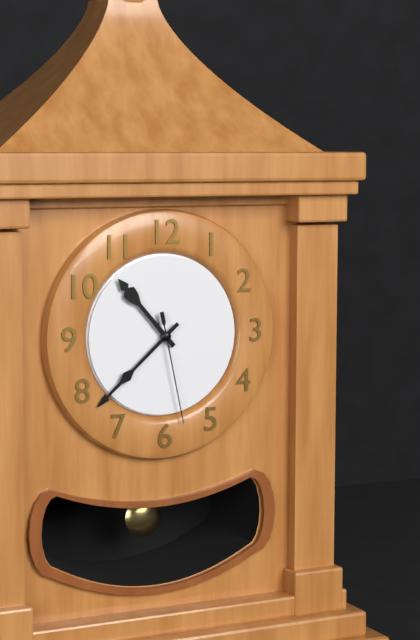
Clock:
10.38.28
